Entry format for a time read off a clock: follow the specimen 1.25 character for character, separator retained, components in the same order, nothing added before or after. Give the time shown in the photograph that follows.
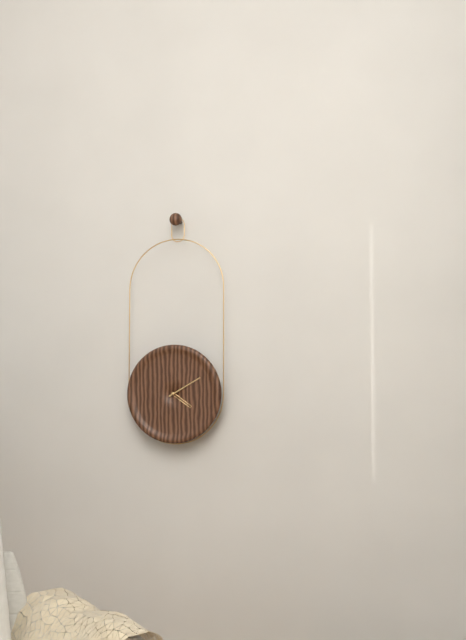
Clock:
4.10
